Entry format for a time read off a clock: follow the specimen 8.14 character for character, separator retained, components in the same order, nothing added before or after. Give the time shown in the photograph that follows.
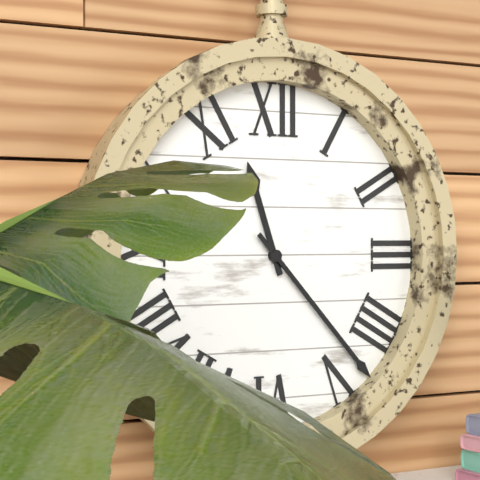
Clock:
11.23
